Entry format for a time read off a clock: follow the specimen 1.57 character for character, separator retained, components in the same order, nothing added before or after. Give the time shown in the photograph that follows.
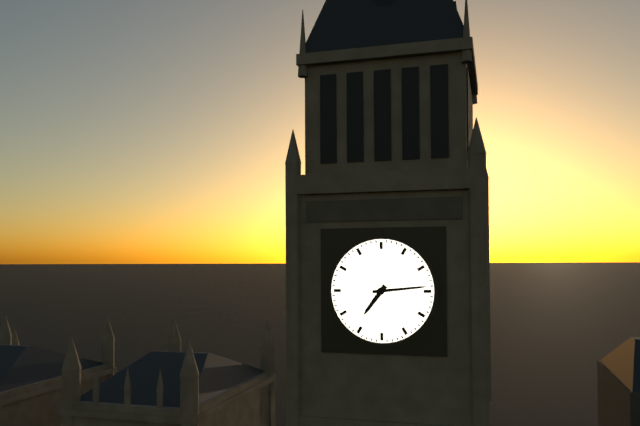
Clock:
7.14
